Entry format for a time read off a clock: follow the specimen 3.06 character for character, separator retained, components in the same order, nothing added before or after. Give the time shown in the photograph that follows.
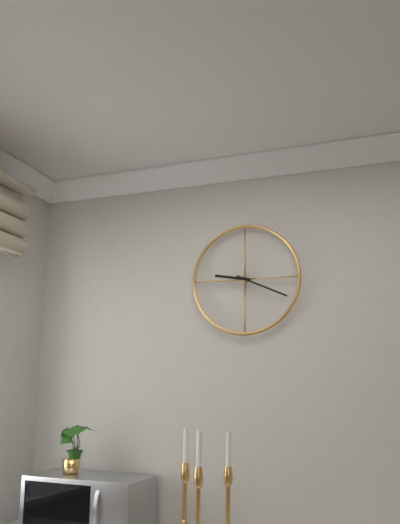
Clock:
9.19
